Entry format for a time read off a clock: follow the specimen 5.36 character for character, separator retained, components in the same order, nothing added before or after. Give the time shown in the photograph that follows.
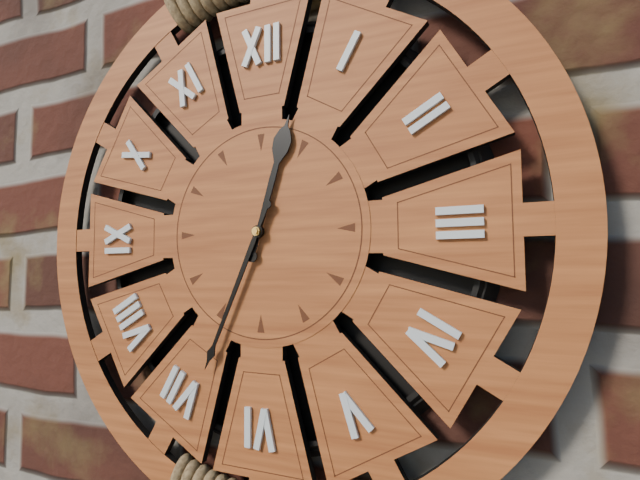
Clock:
12.34
